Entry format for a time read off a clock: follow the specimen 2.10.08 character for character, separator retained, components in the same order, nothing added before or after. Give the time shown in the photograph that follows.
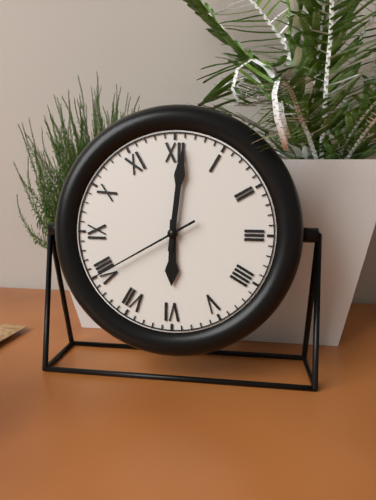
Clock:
6.01.40
